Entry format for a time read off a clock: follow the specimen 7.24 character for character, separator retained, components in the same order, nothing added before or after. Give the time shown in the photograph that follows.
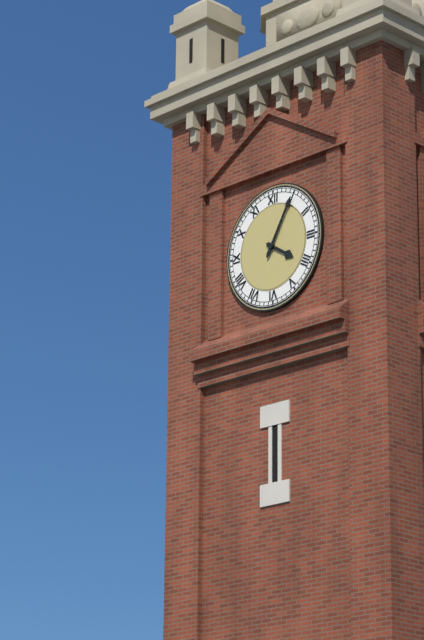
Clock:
4.05
